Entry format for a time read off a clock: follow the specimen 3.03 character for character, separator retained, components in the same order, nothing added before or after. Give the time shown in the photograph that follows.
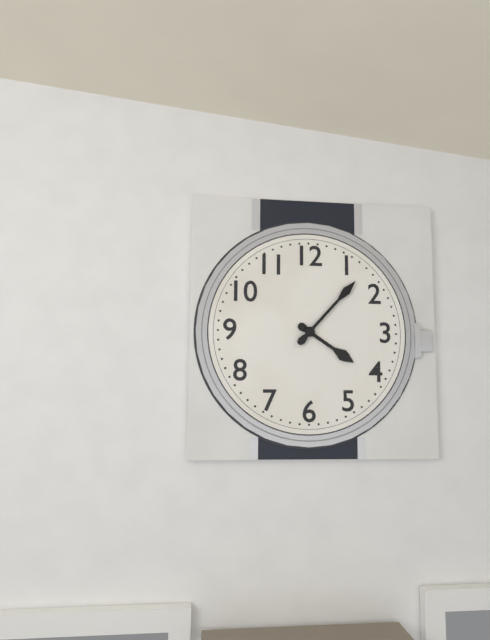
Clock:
4.07
